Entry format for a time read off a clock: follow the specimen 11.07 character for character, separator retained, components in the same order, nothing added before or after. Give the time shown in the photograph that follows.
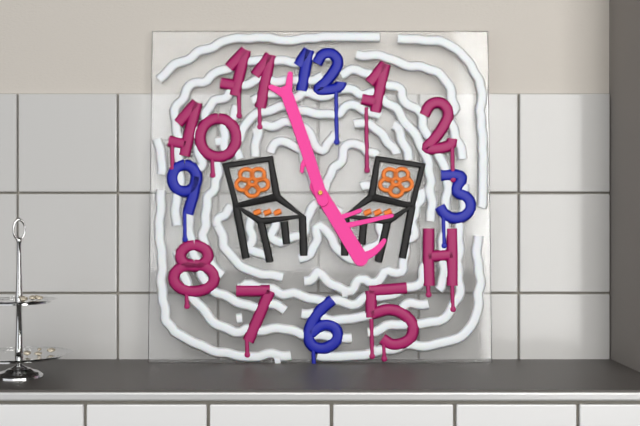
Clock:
4.57
